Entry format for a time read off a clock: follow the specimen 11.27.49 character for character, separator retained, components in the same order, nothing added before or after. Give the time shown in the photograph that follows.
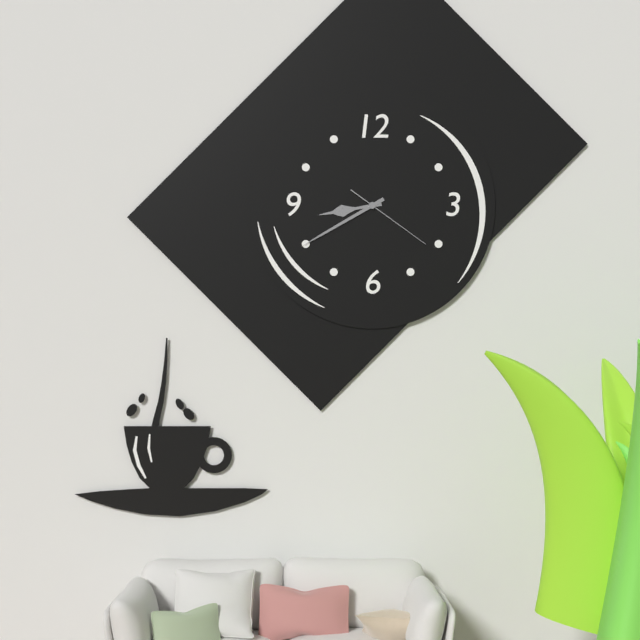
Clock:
8.40.21
